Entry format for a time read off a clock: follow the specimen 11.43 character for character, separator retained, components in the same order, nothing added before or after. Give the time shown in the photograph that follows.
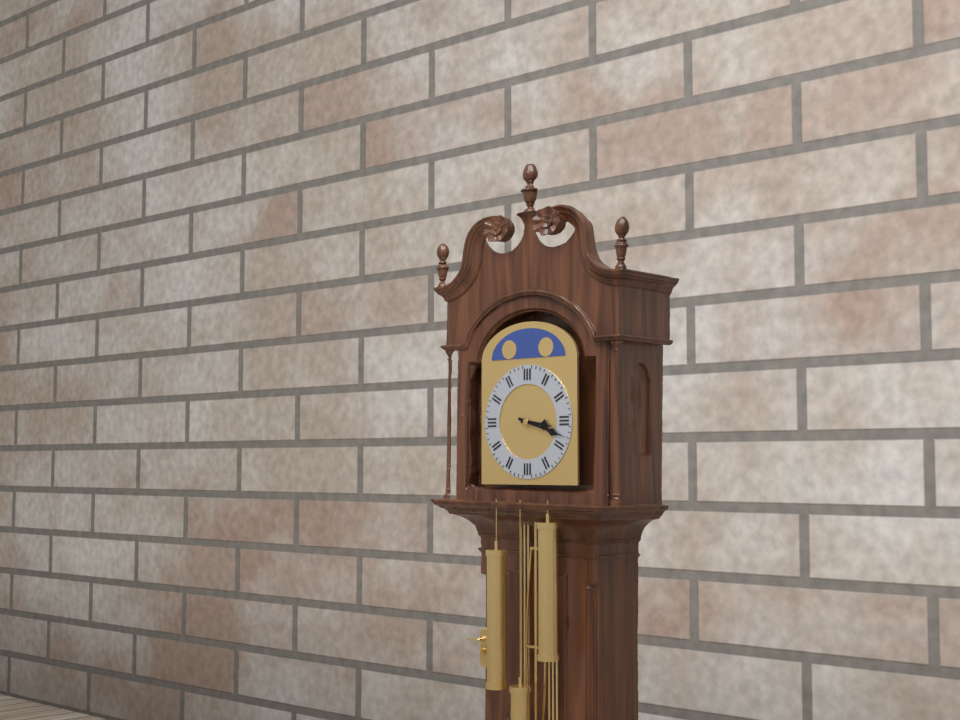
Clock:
3.18
